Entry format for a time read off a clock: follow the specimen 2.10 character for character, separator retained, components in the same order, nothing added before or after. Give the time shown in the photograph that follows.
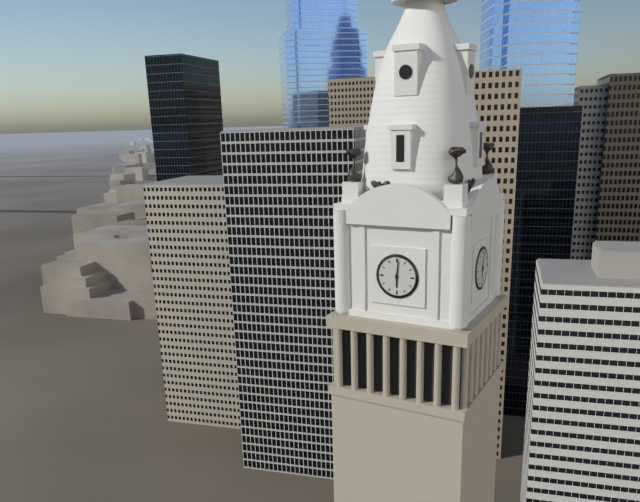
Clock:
6.01
